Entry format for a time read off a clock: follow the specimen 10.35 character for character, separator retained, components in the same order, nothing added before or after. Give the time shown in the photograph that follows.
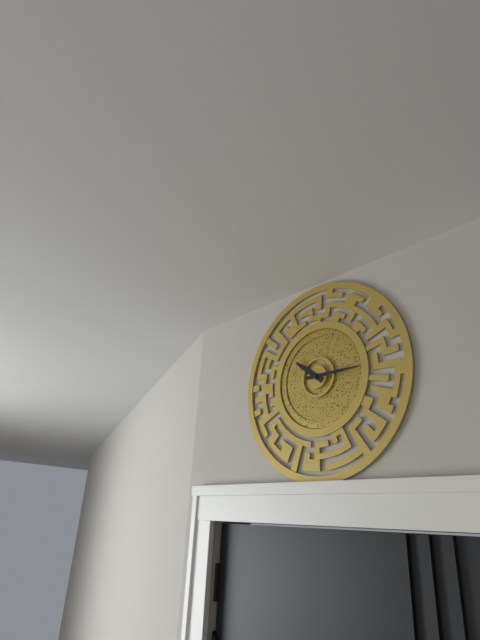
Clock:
10.15
